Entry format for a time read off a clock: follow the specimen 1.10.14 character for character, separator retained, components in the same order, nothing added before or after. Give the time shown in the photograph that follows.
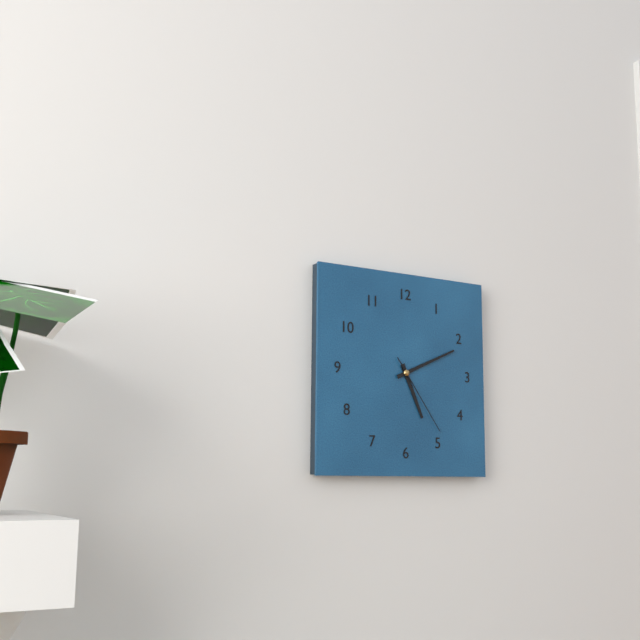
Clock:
5.11.24
